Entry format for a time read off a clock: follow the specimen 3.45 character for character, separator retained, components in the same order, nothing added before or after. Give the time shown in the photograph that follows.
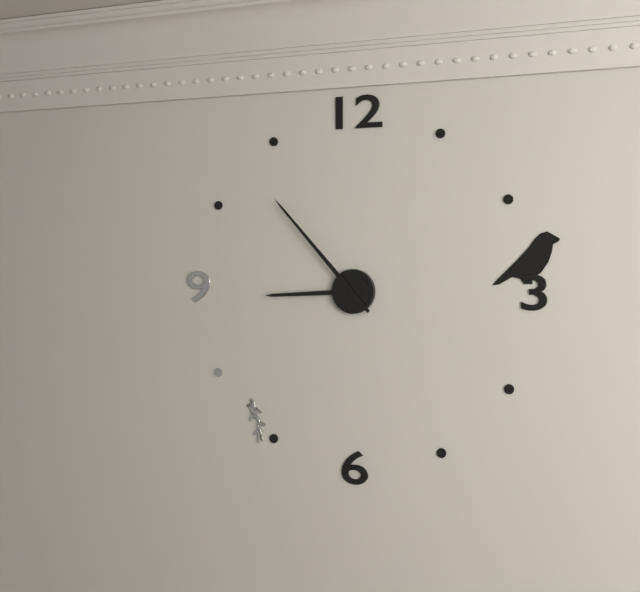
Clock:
8.53
